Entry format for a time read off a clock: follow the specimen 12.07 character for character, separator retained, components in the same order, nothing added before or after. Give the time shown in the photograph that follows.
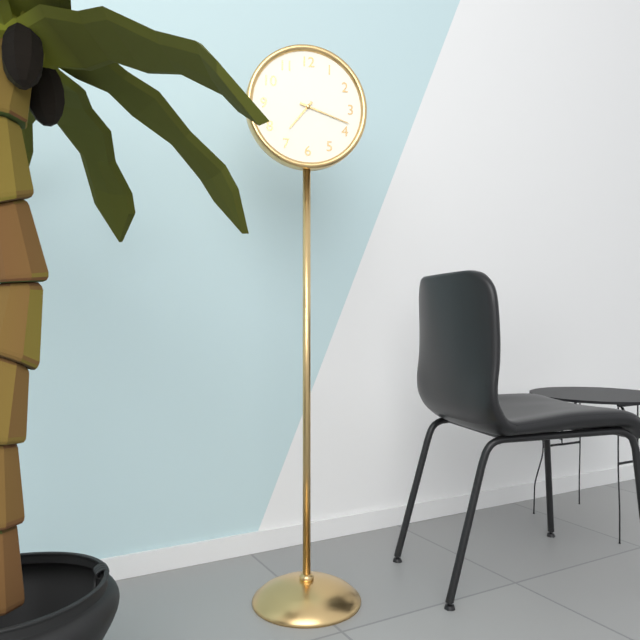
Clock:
7.18
